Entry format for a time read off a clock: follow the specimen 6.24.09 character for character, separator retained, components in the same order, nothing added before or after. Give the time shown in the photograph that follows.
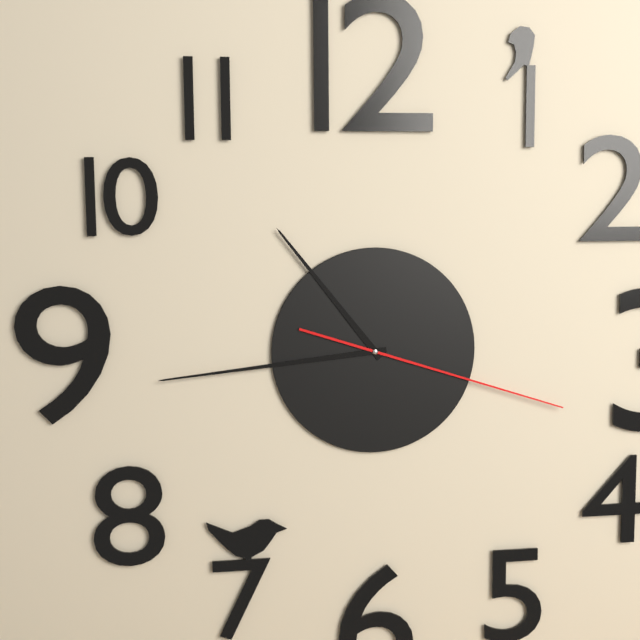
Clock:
10.44.18
